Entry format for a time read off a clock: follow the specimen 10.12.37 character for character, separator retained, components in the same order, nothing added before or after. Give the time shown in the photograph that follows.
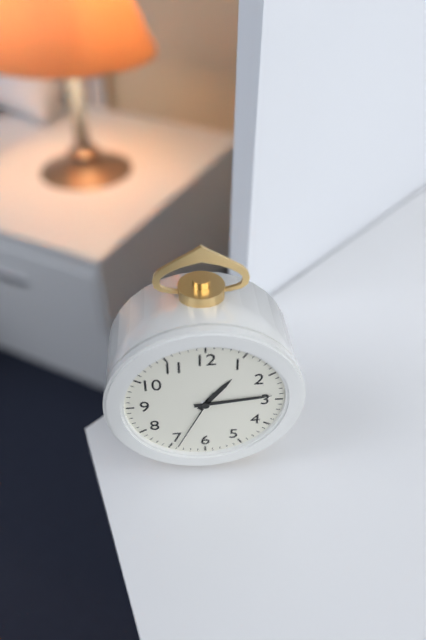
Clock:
1.14.34
